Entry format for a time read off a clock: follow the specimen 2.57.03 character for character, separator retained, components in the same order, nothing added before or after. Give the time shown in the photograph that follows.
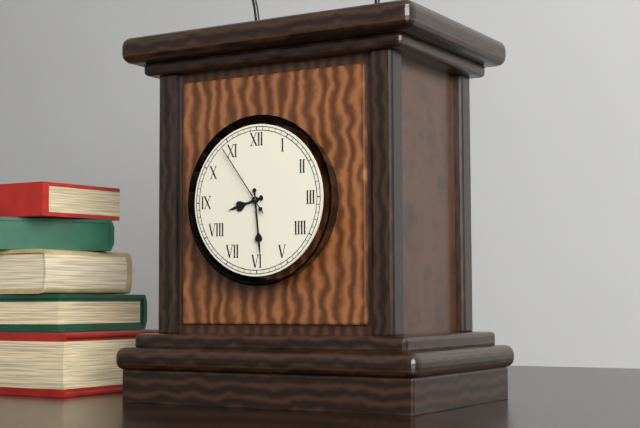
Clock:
8.29.54
